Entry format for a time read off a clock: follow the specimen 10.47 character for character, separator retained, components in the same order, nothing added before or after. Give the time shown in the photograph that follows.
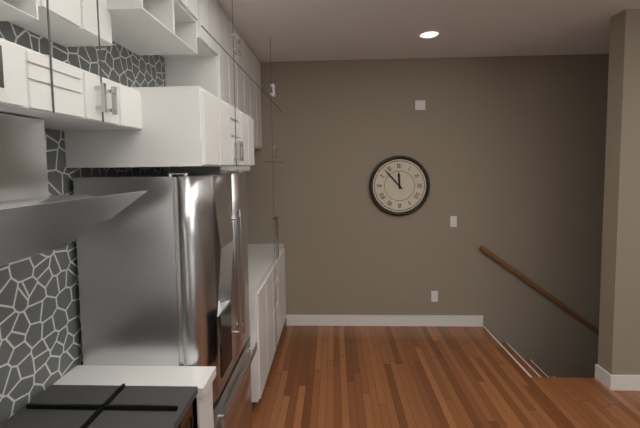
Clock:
11.53
